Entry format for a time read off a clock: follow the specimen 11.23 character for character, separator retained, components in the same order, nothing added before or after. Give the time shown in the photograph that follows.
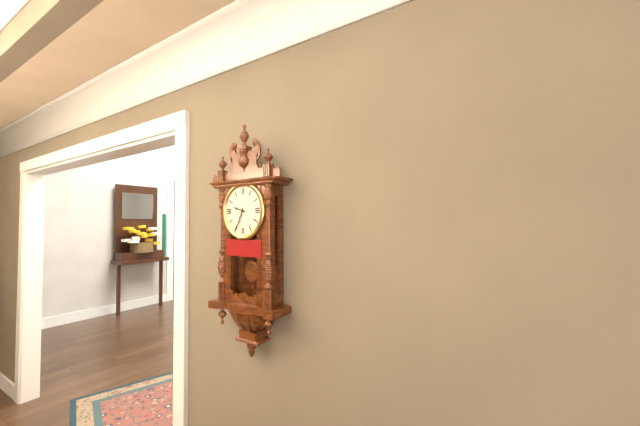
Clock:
9.34
